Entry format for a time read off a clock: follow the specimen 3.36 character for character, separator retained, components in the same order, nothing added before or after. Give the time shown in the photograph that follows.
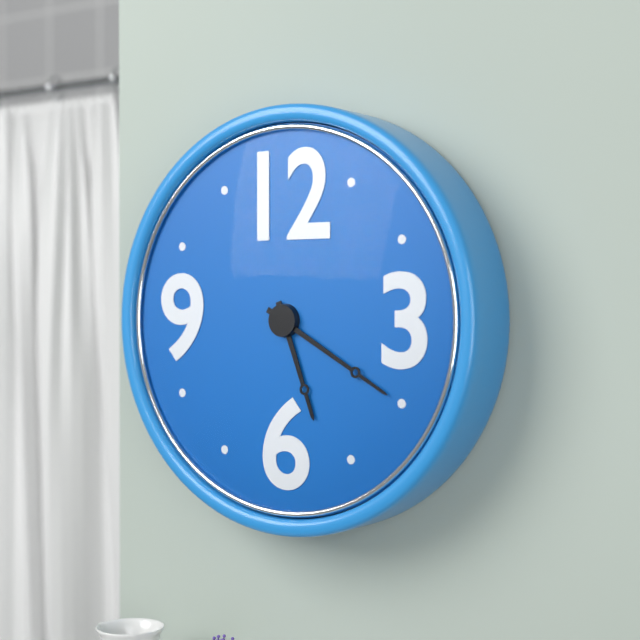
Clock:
5.20
